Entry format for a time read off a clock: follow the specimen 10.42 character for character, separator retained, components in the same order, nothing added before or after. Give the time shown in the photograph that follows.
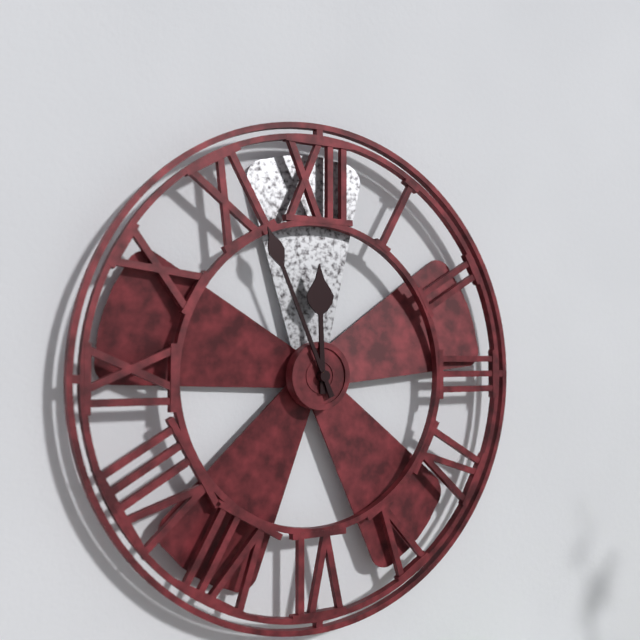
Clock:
11.56
